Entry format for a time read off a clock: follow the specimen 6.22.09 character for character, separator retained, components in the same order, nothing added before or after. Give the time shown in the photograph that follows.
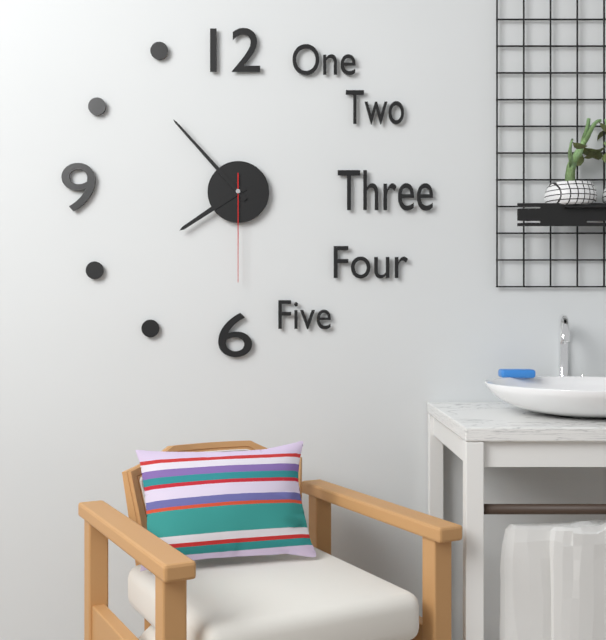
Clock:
7.53.30
